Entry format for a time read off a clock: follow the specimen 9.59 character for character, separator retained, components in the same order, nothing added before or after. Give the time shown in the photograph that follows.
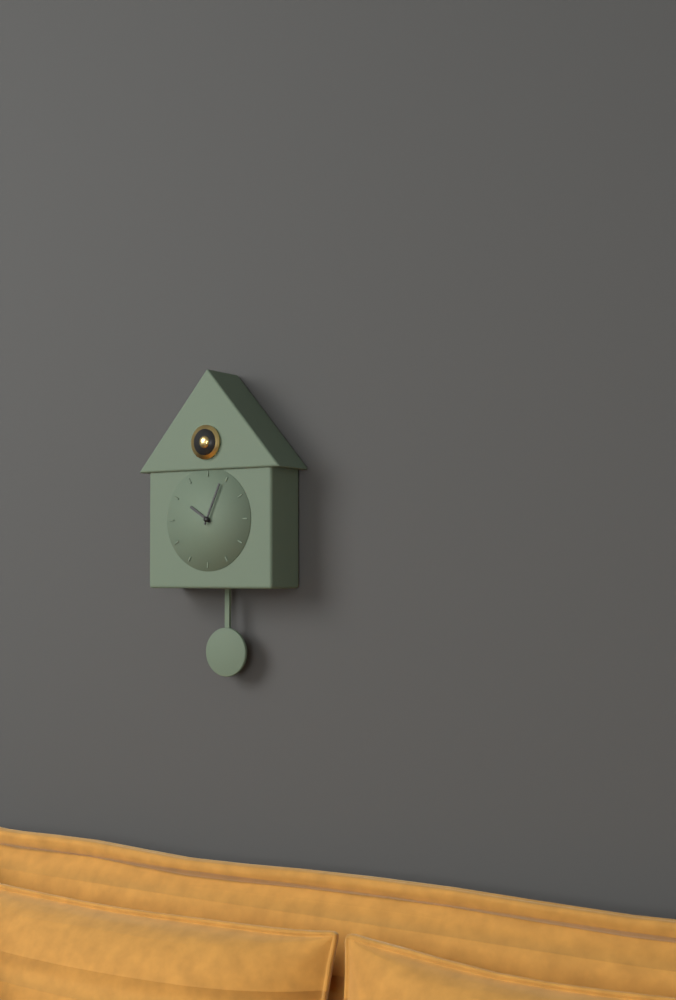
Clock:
10.04
